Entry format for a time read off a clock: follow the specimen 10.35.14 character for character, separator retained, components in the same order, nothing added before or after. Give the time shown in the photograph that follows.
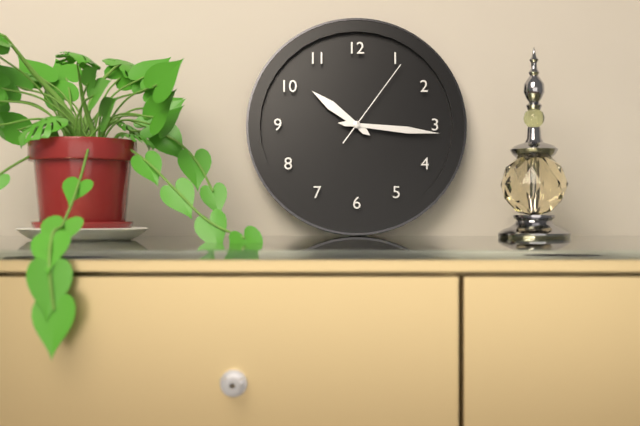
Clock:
10.16.06
